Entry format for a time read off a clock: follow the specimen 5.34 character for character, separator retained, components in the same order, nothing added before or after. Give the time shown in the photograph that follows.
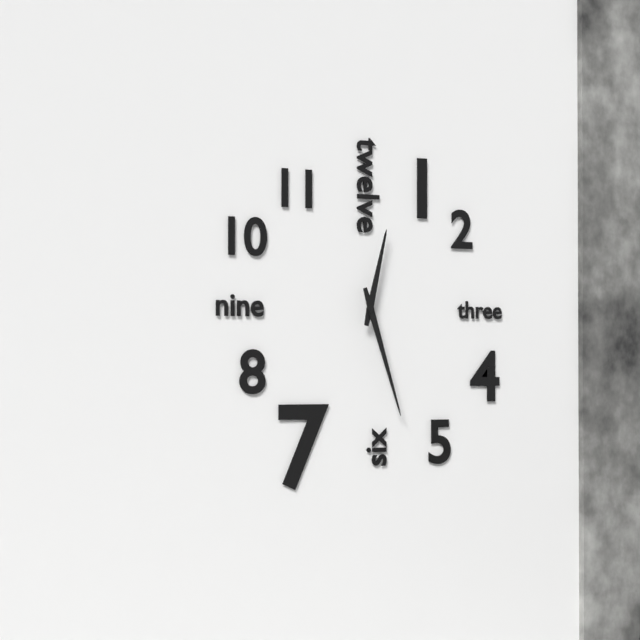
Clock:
12.27
